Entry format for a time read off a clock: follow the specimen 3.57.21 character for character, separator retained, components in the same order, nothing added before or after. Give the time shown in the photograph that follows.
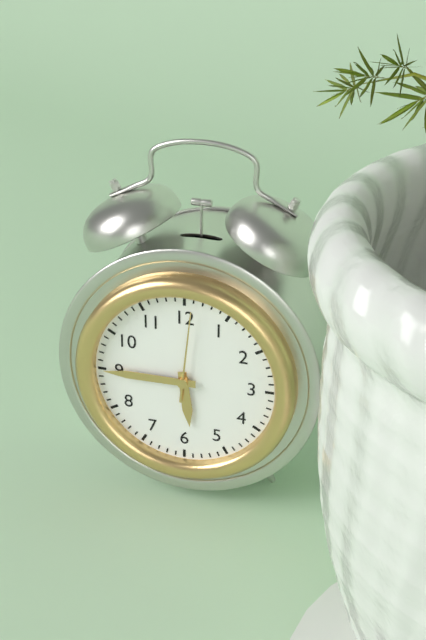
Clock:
5.45.01
